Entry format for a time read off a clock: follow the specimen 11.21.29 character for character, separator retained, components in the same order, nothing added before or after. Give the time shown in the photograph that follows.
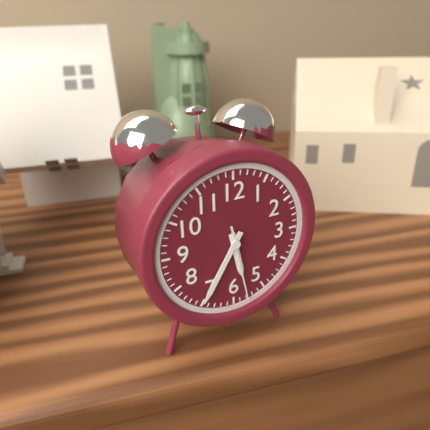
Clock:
5.35.28
